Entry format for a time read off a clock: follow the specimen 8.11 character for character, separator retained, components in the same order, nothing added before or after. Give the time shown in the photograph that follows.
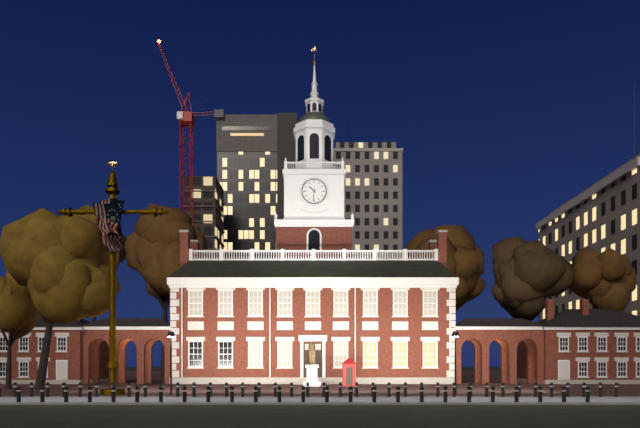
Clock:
10.31
